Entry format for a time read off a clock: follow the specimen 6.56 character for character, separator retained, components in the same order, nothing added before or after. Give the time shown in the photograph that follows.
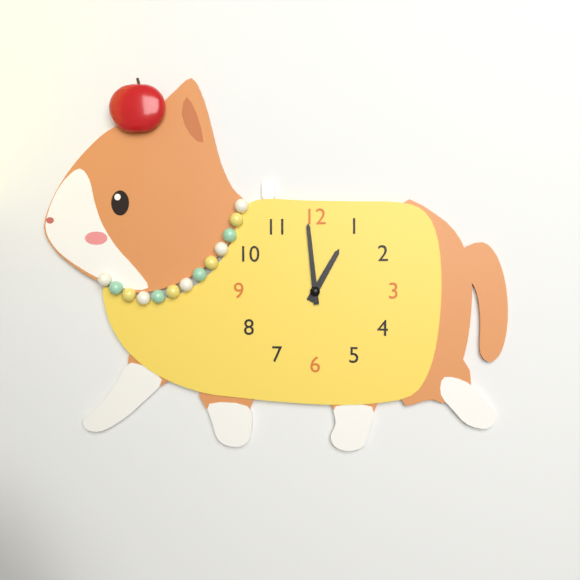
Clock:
12.59
